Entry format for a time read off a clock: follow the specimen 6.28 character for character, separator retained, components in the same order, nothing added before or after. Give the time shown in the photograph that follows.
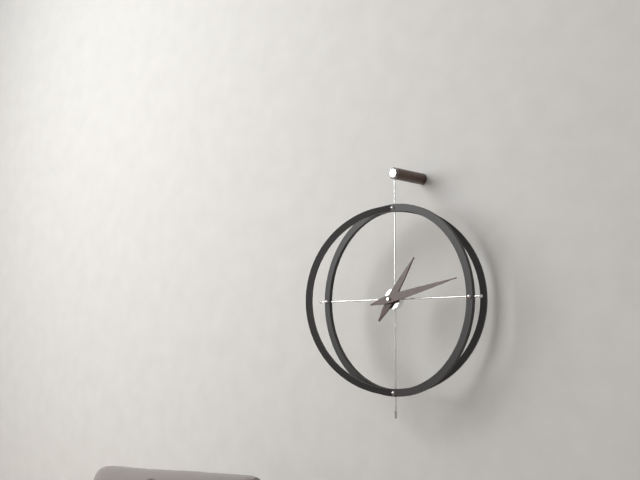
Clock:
1.13
